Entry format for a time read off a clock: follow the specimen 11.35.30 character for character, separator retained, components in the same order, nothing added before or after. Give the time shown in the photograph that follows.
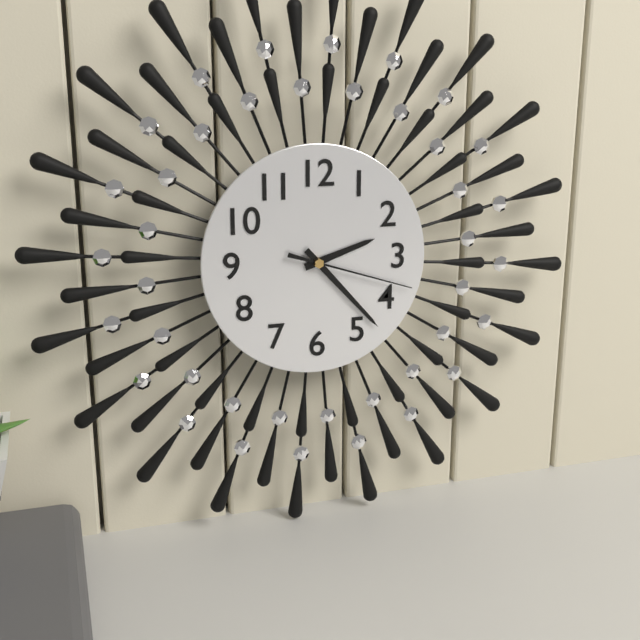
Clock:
2.23.18
